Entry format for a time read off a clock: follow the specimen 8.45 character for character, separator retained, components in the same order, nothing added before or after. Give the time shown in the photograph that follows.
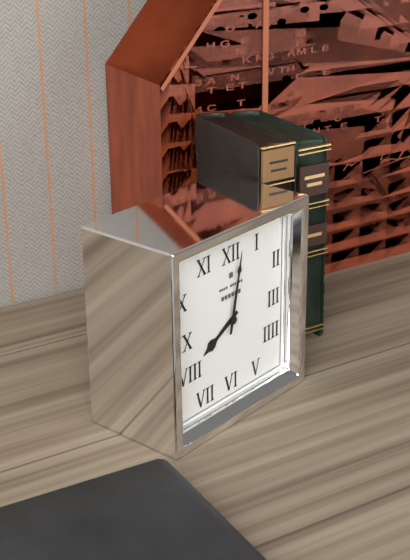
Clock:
8.02
